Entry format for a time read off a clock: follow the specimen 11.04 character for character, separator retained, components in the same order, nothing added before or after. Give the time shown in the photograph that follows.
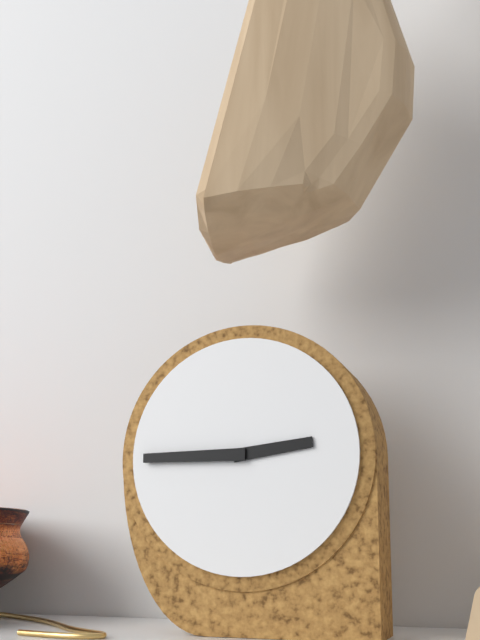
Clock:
2.45
